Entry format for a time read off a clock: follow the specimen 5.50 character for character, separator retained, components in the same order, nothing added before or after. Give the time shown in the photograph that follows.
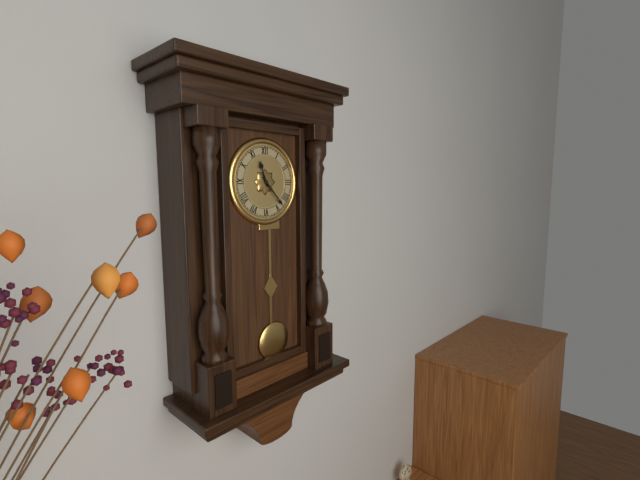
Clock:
11.23
